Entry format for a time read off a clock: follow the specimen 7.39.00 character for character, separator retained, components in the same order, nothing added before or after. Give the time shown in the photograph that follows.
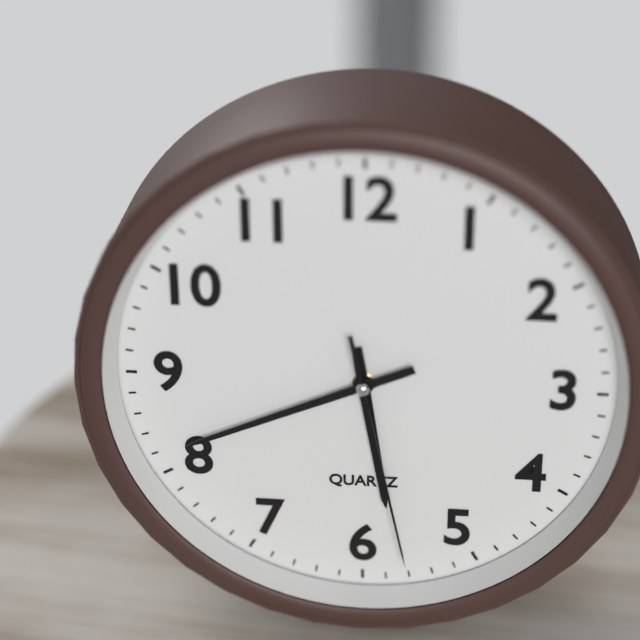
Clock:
5.41.28
